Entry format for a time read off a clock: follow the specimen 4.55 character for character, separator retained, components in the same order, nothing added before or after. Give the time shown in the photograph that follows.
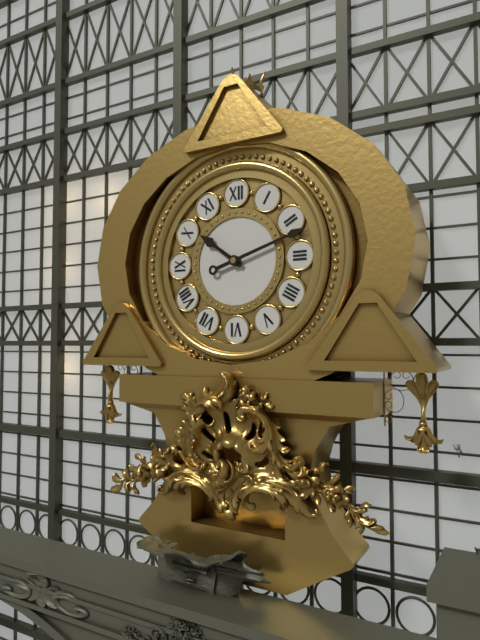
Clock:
10.12
